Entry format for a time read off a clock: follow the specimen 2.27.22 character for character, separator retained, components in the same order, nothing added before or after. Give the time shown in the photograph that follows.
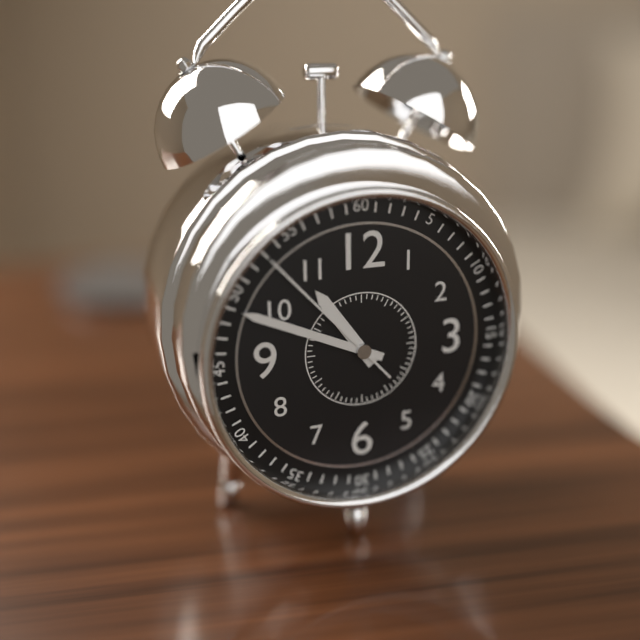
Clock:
10.49.53
